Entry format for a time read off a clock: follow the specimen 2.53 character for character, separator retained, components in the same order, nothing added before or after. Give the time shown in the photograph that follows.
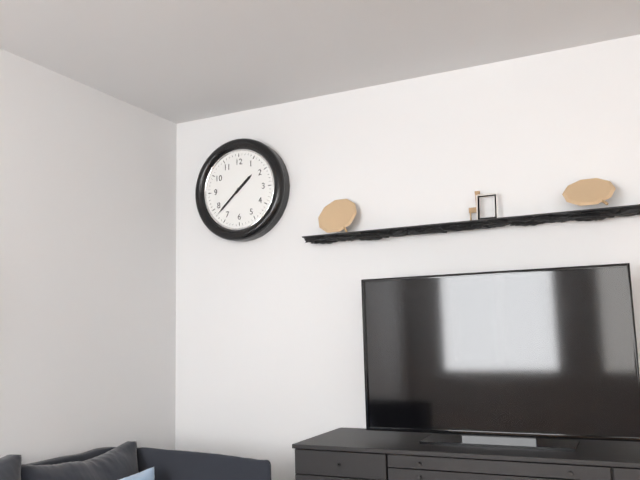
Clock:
1.38
